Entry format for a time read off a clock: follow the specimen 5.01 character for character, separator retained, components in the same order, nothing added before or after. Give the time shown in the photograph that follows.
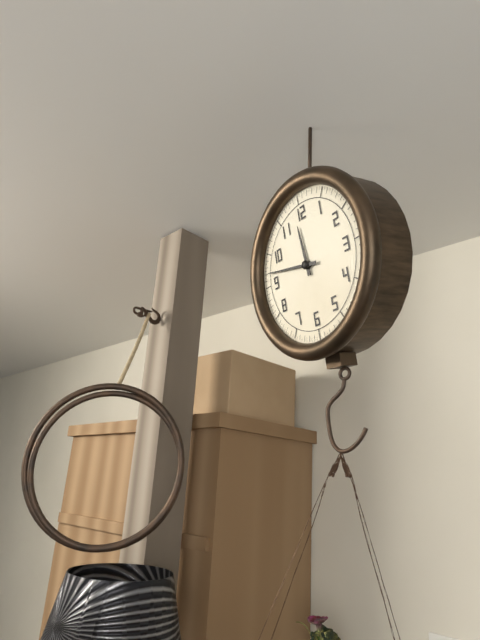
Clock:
11.47
